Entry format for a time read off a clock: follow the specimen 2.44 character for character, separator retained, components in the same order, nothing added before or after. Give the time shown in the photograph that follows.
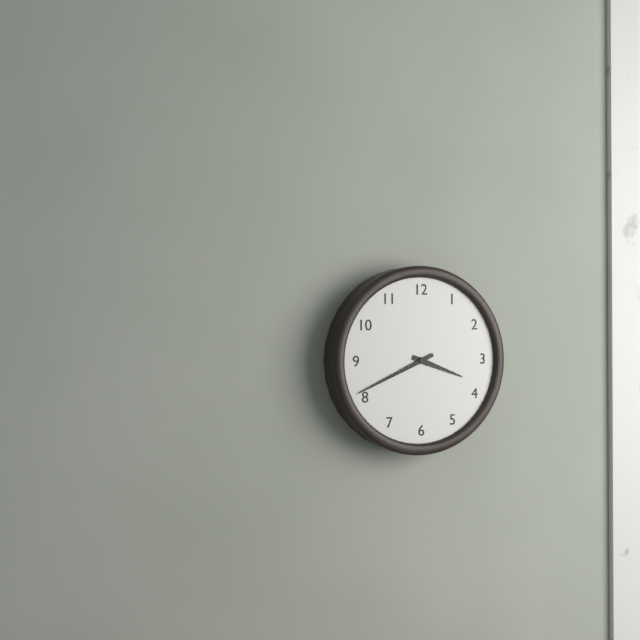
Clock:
3.41
